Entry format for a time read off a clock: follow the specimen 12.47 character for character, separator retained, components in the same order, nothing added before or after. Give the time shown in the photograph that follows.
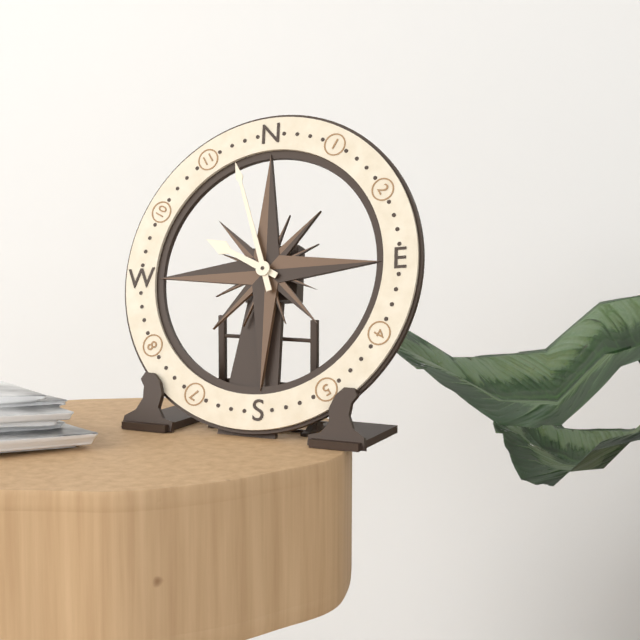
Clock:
9.57
